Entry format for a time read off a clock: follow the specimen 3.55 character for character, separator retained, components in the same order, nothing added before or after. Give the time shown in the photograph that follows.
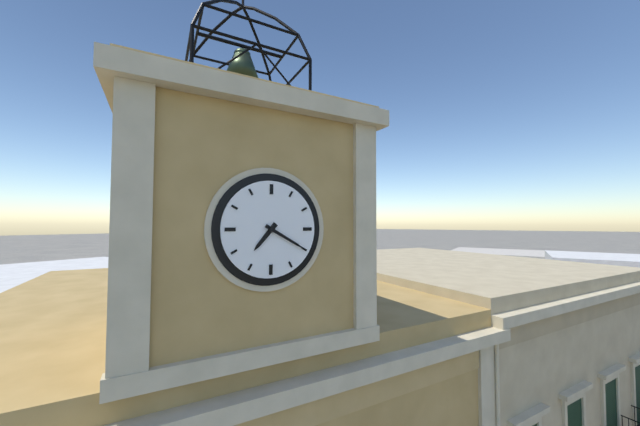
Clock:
7.20
